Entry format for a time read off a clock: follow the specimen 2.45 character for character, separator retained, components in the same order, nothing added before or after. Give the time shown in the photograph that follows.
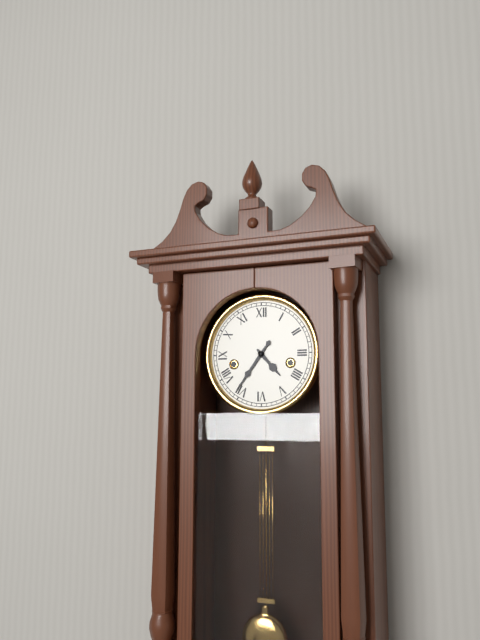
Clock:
4.36
